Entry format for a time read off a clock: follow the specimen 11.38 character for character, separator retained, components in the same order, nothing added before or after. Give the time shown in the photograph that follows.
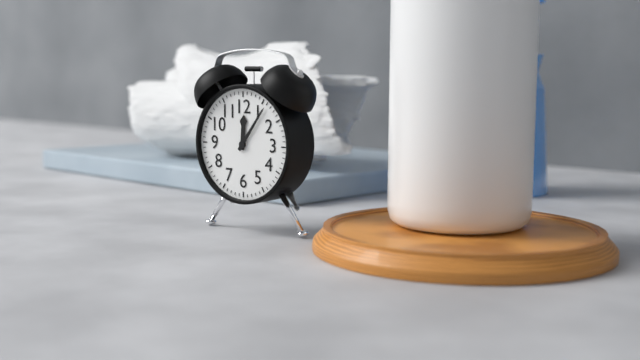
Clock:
12.06
